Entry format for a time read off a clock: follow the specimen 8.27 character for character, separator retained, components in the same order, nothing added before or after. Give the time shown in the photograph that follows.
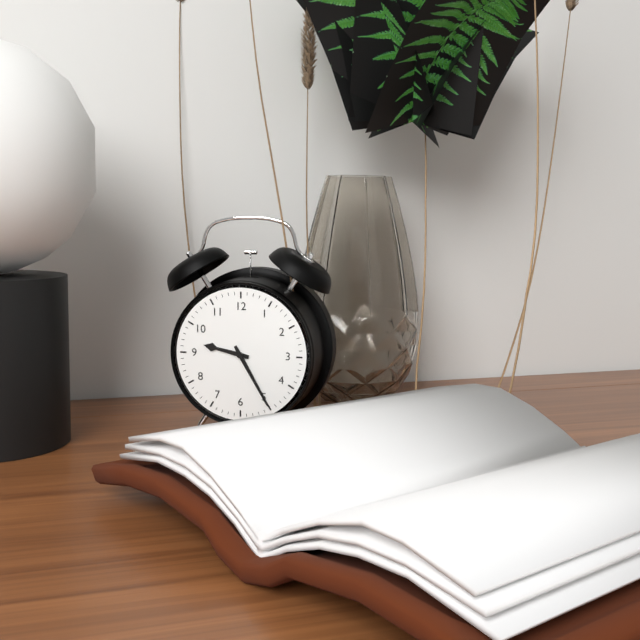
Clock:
9.25
